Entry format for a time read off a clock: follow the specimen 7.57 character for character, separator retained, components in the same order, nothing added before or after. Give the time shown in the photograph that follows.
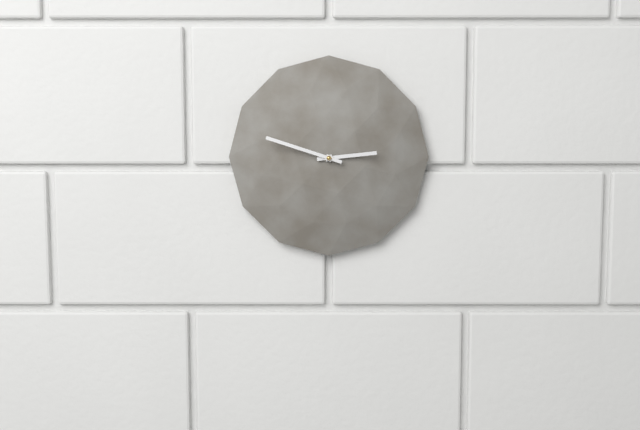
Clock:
2.48
